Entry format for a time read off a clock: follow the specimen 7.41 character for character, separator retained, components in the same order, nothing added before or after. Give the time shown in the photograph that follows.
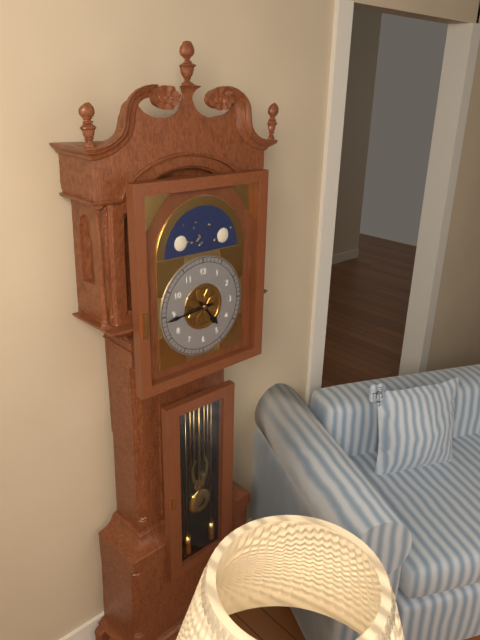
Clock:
4.44
